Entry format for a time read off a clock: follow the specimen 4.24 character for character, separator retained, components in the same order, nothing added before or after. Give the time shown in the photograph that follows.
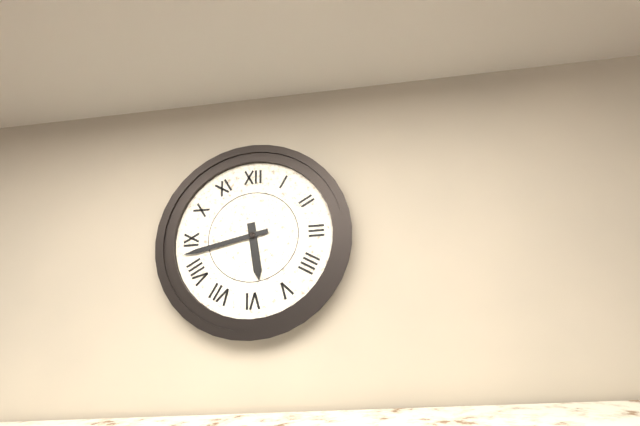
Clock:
5.43
